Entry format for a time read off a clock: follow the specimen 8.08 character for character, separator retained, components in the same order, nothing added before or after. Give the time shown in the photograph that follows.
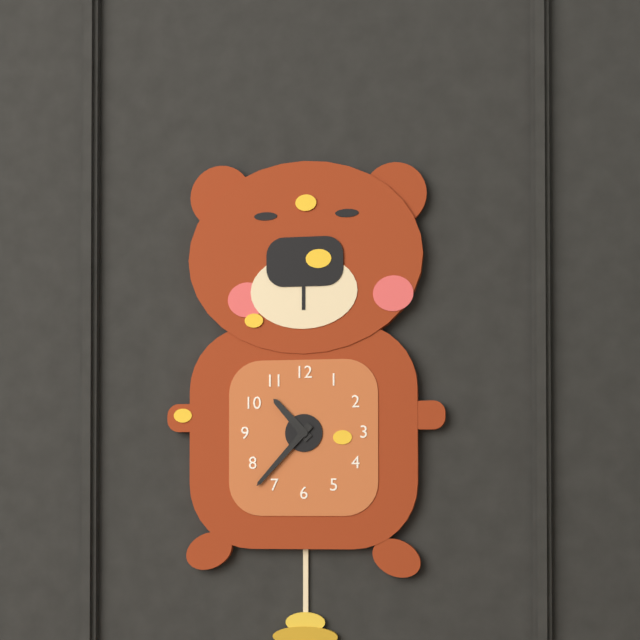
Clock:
10.37
